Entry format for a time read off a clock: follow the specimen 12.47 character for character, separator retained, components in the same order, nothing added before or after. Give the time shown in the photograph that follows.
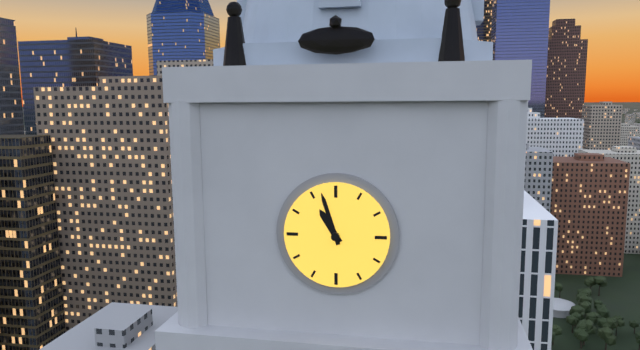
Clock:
10.57
